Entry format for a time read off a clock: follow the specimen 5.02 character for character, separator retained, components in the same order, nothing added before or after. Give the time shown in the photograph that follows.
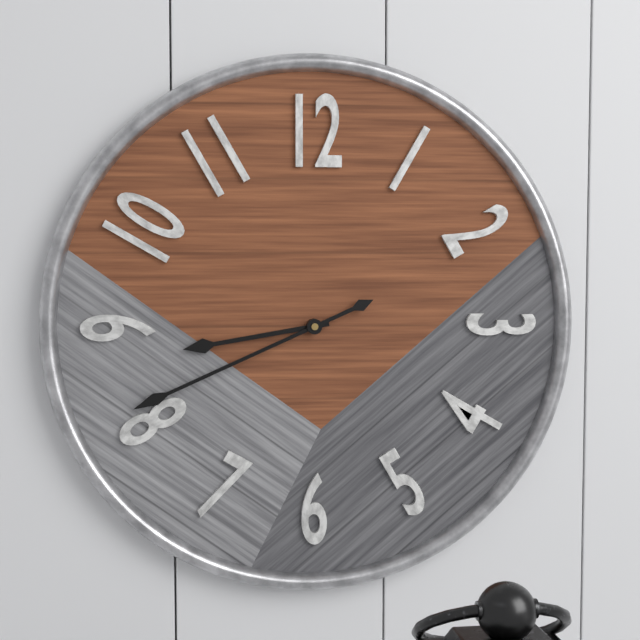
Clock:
8.41
